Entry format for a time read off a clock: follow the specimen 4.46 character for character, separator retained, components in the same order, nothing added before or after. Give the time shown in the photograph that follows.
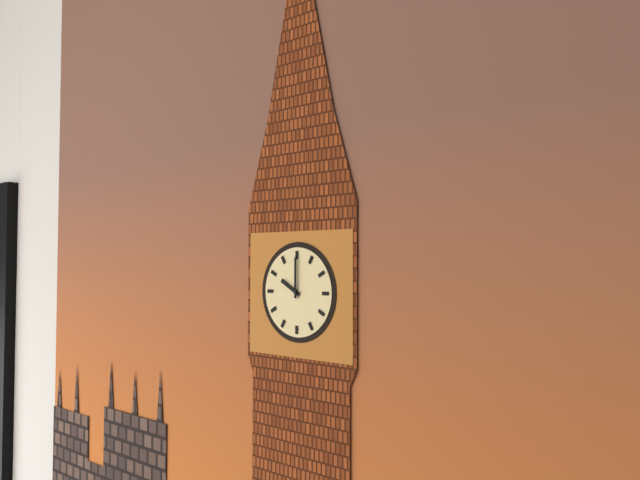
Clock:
10.00
